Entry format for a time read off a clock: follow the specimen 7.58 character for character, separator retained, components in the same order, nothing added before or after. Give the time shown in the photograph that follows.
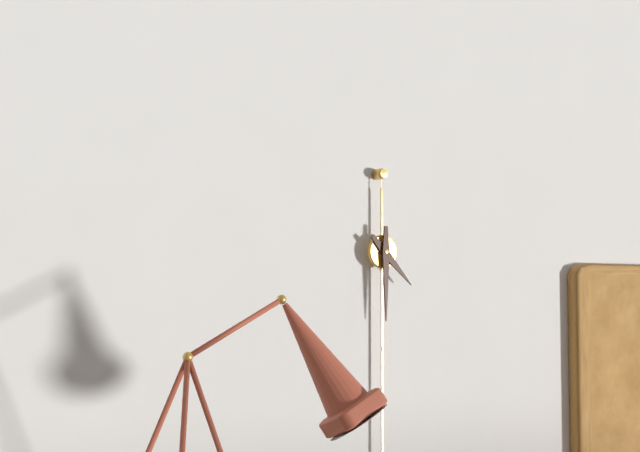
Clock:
4.30
